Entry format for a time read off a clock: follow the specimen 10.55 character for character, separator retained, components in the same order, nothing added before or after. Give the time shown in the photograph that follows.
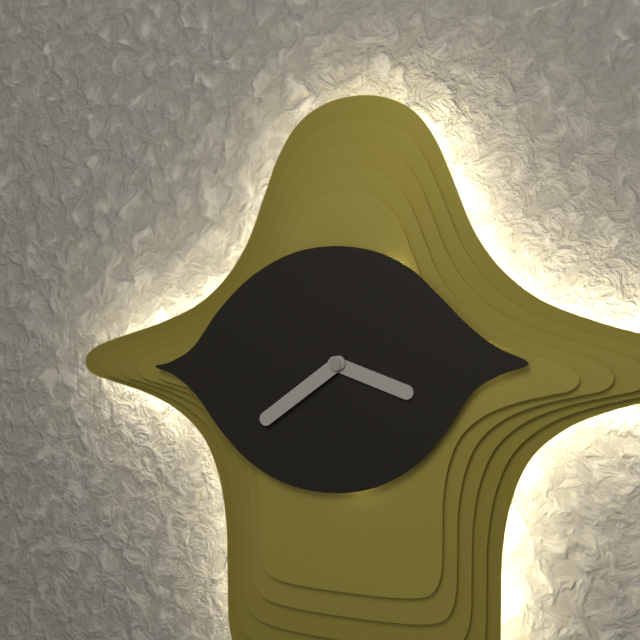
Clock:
3.39
